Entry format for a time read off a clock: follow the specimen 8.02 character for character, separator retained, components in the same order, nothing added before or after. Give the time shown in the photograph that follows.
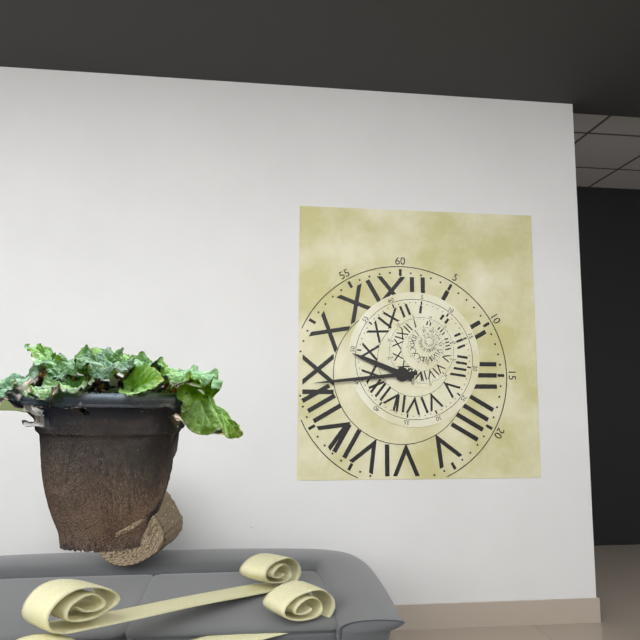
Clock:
9.44
